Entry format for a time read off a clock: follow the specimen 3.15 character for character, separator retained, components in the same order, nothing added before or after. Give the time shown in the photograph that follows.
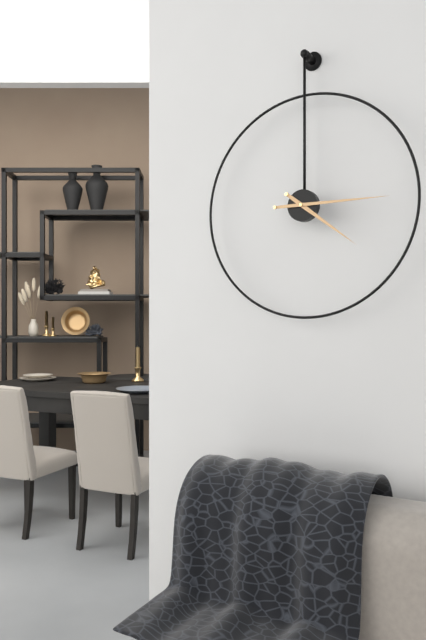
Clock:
4.15
